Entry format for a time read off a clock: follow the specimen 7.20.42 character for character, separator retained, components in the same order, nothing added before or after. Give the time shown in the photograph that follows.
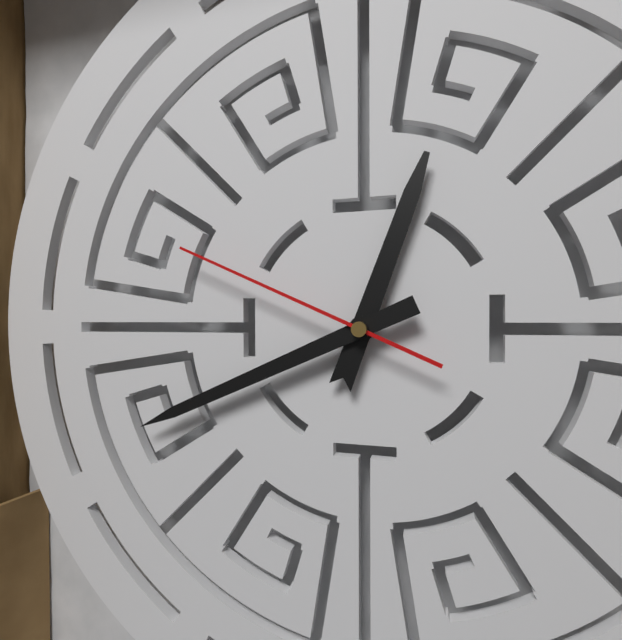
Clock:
12.41.49
